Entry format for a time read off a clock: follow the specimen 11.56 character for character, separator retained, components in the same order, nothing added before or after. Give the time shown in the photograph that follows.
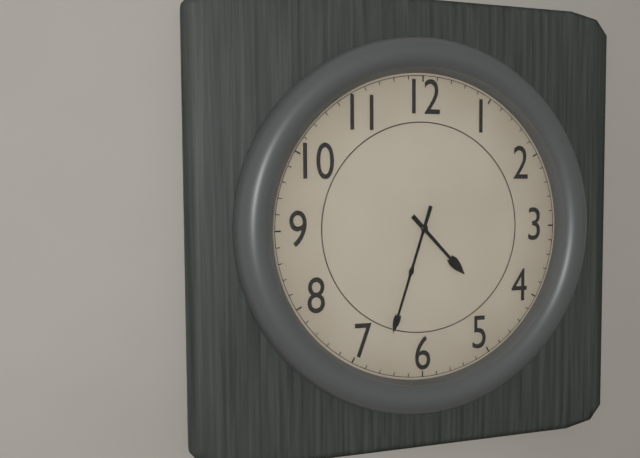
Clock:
4.33
